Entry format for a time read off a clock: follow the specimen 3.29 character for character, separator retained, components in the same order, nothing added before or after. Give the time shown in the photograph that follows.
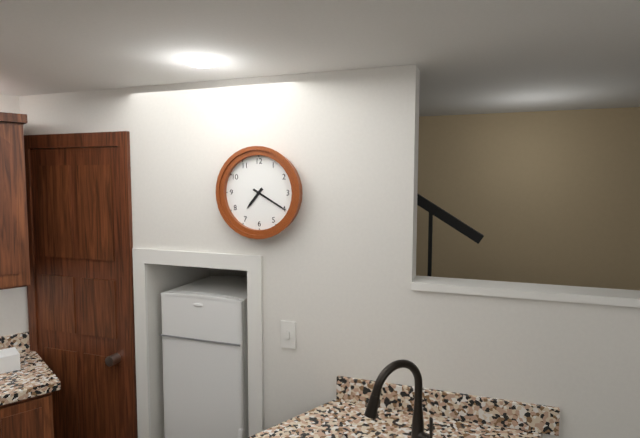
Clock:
7.20
